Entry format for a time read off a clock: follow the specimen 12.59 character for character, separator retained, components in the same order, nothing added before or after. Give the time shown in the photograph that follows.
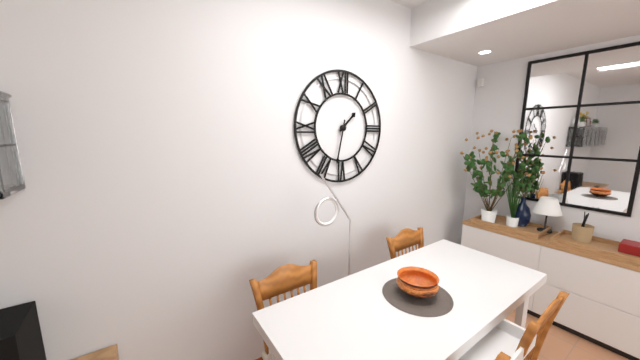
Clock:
1.32
